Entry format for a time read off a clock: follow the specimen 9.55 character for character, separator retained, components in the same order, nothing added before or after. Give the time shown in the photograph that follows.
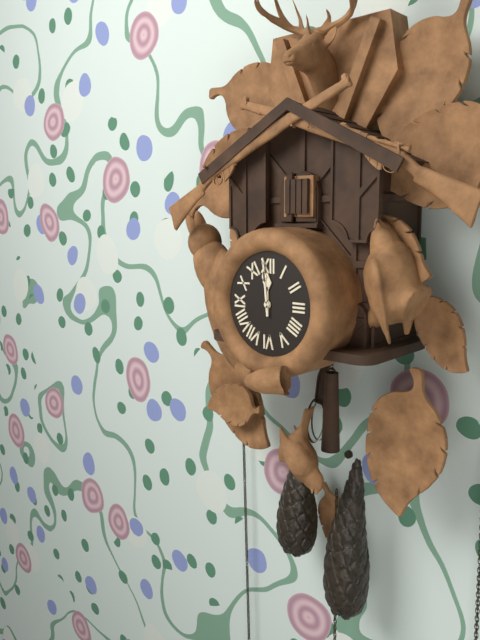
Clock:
11.59
